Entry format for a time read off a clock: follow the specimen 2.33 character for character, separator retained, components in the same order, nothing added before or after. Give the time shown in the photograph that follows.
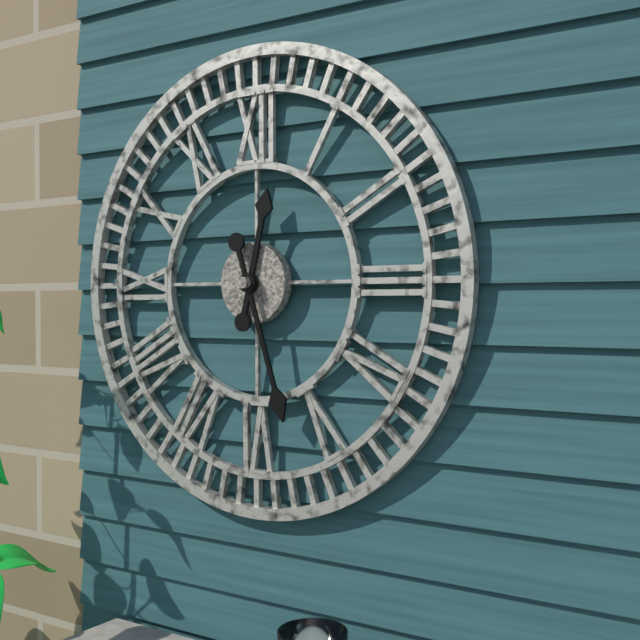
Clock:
12.27
